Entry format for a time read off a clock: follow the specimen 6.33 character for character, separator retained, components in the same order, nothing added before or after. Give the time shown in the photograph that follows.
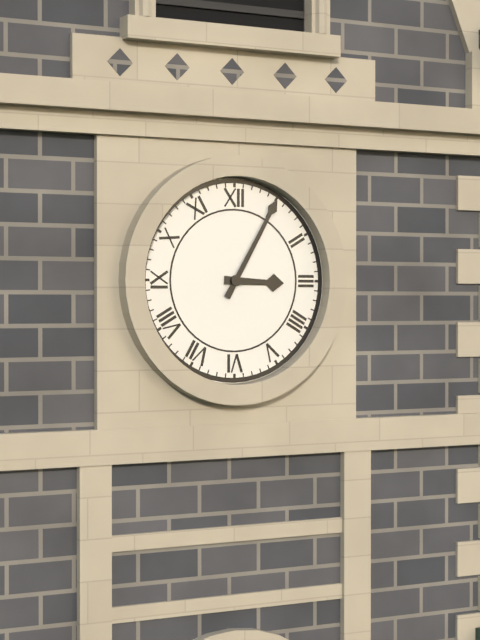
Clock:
3.05
